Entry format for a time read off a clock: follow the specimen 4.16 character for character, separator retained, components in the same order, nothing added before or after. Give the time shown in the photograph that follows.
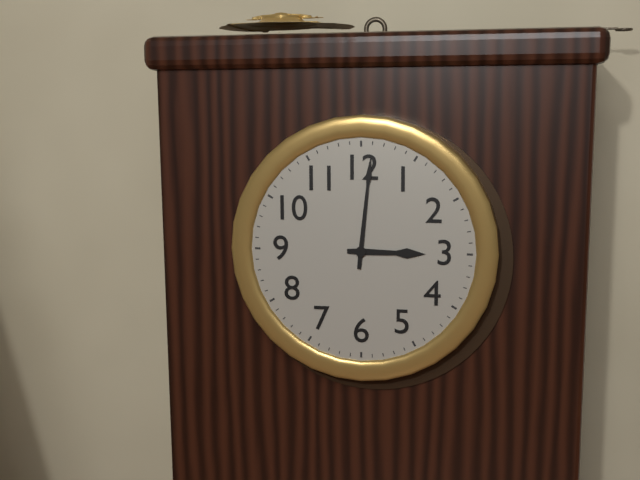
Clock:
3.01
